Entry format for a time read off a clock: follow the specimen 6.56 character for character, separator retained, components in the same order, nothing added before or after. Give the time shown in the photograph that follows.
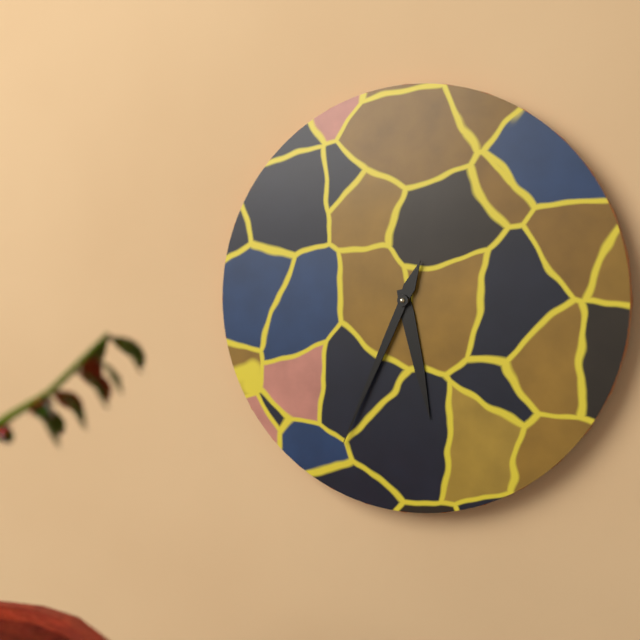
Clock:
5.34
